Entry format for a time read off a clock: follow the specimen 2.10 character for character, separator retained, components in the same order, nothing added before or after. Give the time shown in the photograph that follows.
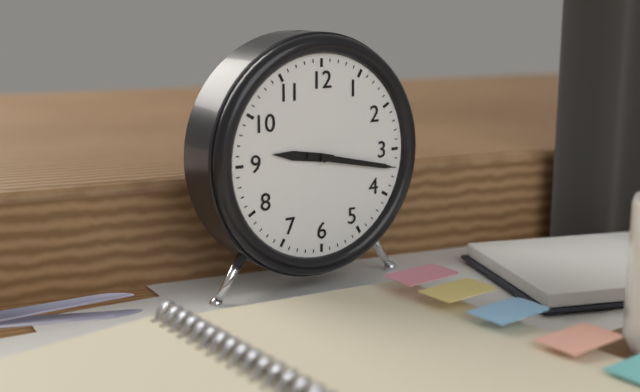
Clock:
9.17
